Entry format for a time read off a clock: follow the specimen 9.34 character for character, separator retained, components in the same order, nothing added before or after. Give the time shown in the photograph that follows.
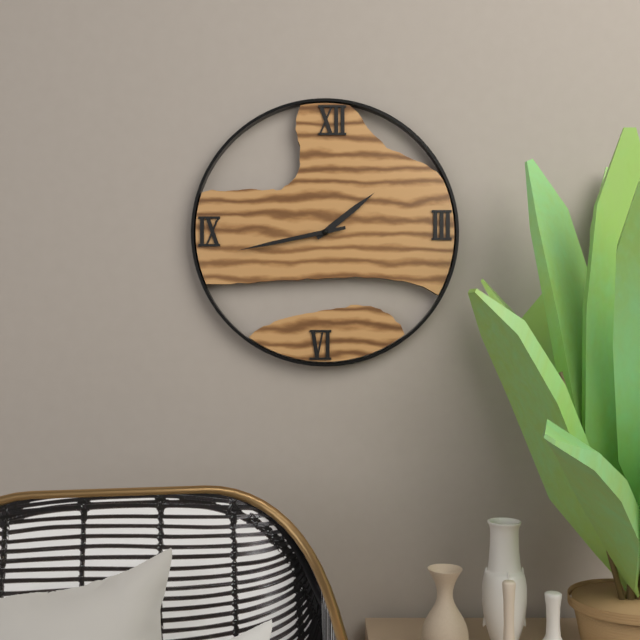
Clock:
1.43
